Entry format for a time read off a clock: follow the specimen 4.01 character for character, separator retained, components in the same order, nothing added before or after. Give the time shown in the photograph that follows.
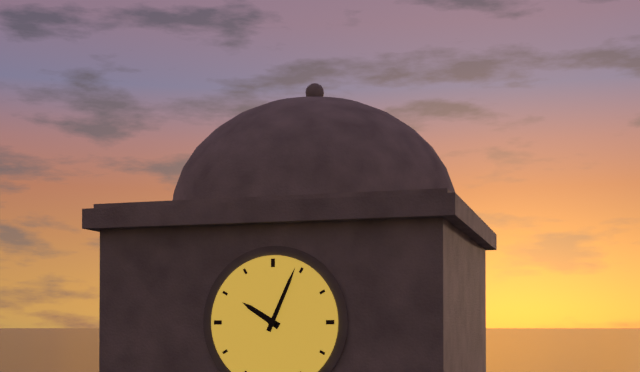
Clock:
10.04
